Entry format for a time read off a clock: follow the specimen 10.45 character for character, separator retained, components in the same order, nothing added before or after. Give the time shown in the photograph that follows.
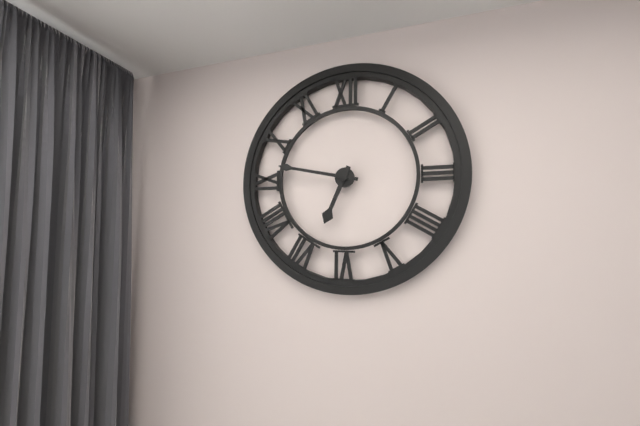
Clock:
6.47
